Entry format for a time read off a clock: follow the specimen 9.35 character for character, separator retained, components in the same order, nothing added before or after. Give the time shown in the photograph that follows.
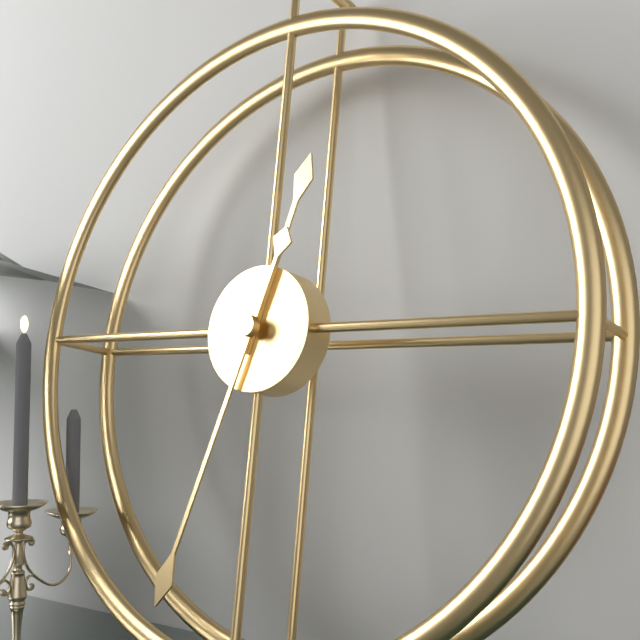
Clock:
12.33
